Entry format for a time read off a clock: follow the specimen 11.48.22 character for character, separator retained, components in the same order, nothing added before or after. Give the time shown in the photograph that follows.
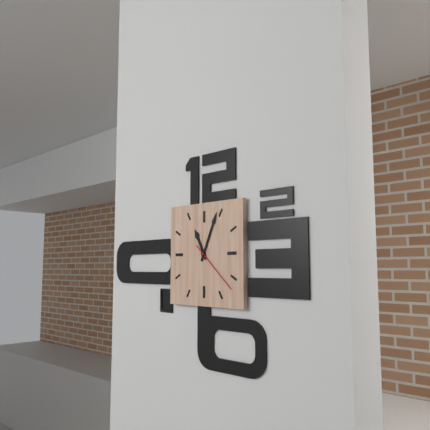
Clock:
11.04.22
